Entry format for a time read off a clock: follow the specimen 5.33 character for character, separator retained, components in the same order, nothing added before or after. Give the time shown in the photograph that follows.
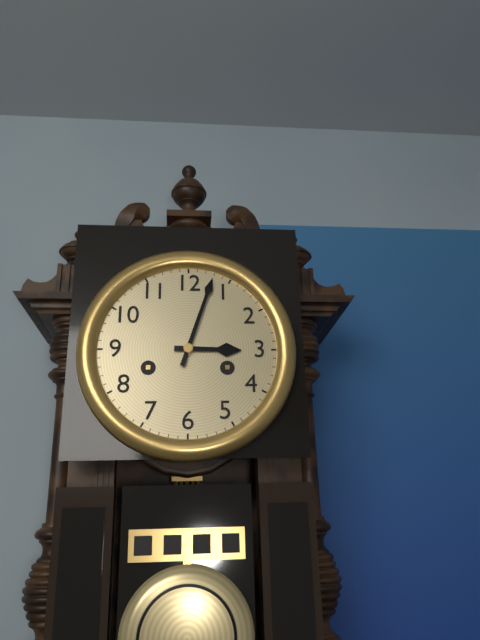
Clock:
3.03
